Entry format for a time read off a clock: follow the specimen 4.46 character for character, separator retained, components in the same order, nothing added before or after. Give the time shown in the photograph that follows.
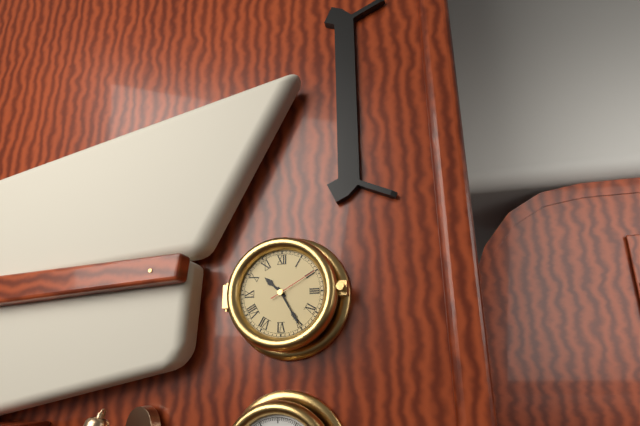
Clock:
10.25
